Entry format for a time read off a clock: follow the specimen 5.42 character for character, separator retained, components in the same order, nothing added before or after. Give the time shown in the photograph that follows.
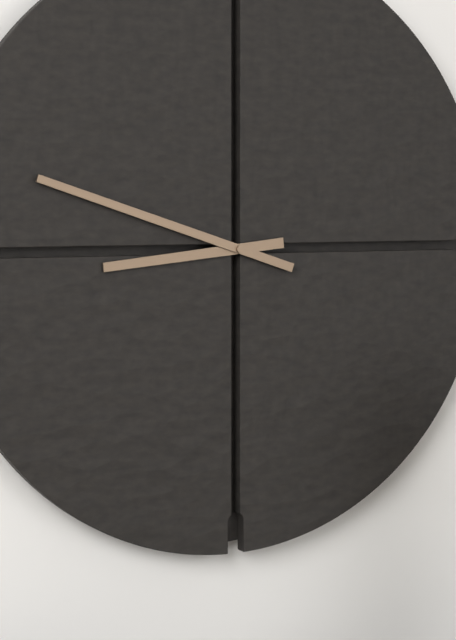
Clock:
8.48
